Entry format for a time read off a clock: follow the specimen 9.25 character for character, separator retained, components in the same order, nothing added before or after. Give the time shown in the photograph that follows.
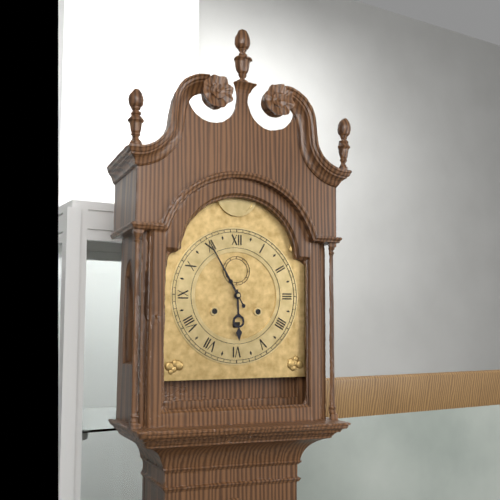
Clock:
5.55
